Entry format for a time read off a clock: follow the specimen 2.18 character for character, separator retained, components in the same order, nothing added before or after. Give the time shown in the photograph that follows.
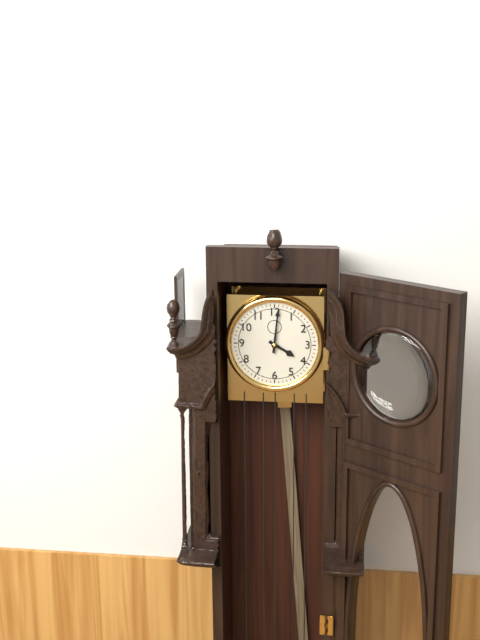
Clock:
4.01
